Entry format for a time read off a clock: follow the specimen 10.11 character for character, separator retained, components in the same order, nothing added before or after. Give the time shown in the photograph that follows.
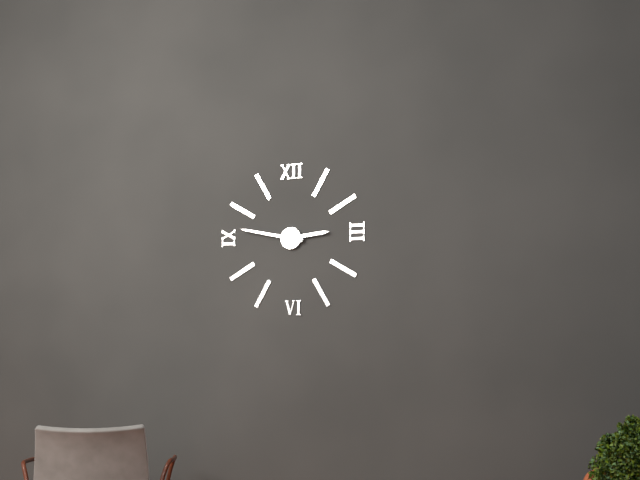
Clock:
2.47
